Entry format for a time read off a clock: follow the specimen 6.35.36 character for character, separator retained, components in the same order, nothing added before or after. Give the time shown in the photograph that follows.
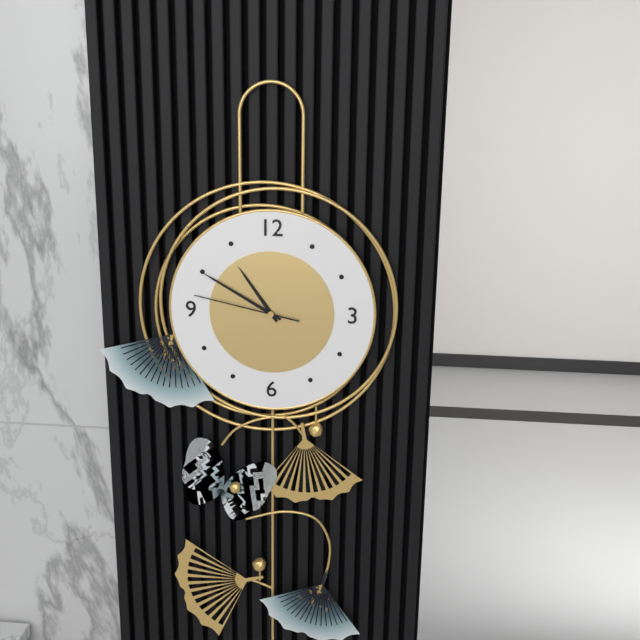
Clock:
10.50.47
